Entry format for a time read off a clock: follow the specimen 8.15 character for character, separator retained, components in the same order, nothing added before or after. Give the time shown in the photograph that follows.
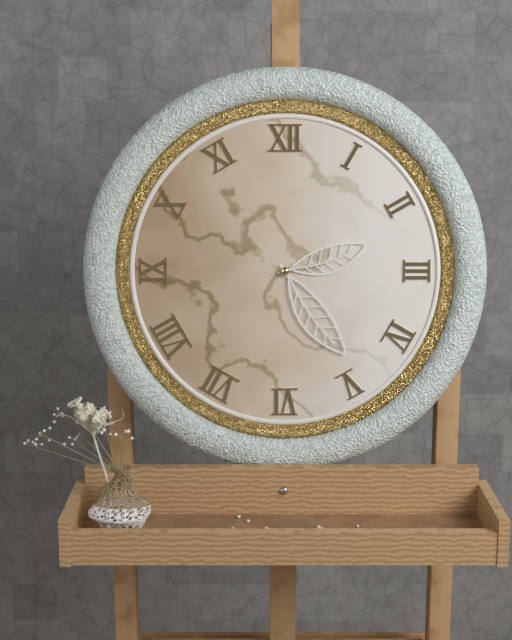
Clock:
2.24
